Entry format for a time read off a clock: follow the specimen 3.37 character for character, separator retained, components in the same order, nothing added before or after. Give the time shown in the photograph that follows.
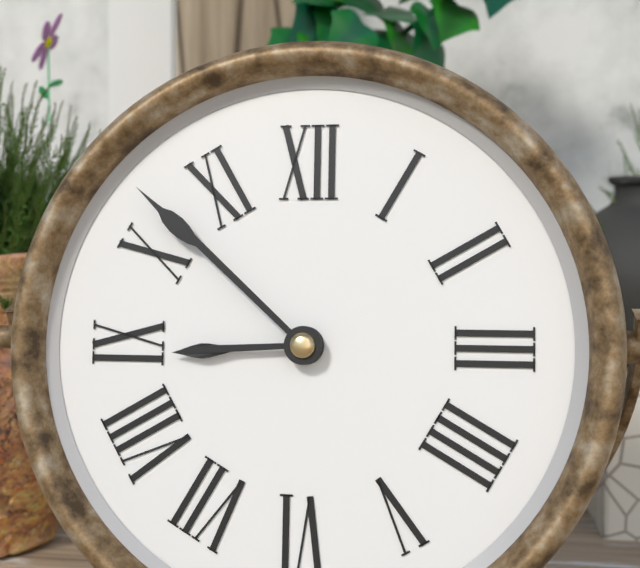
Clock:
8.52
